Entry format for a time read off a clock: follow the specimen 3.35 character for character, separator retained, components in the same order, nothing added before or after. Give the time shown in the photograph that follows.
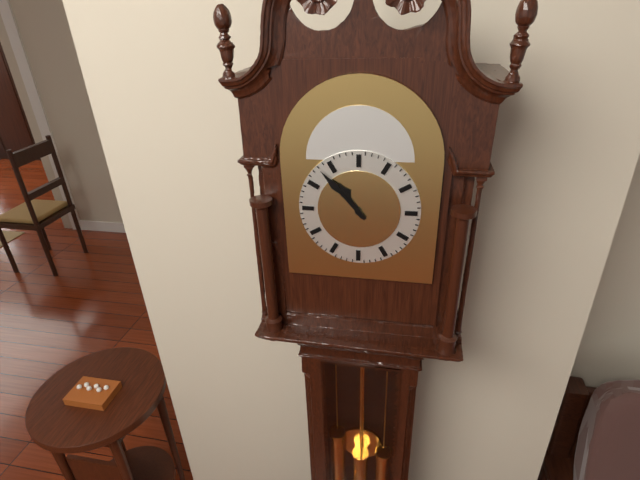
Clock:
10.53
